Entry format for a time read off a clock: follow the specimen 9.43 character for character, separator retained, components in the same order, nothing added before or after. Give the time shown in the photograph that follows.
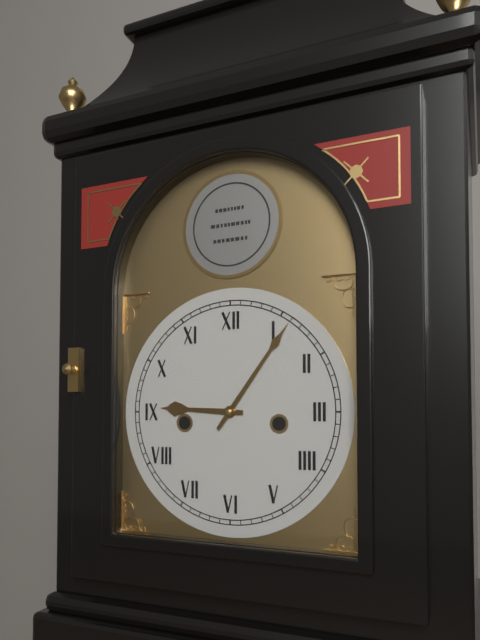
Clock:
9.06
